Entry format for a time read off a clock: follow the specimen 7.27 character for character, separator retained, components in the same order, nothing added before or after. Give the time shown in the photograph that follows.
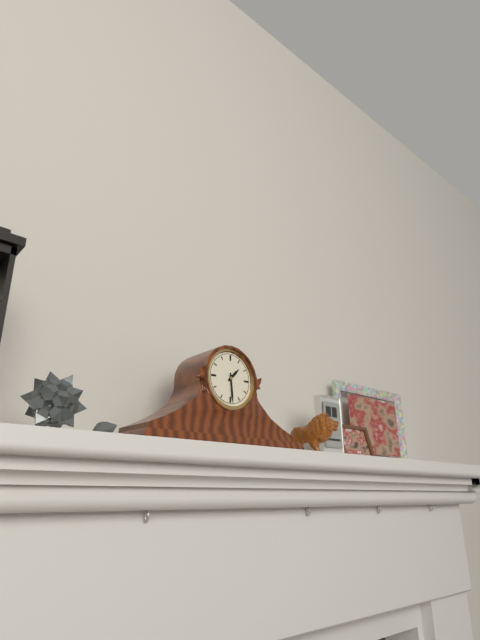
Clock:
1.29
